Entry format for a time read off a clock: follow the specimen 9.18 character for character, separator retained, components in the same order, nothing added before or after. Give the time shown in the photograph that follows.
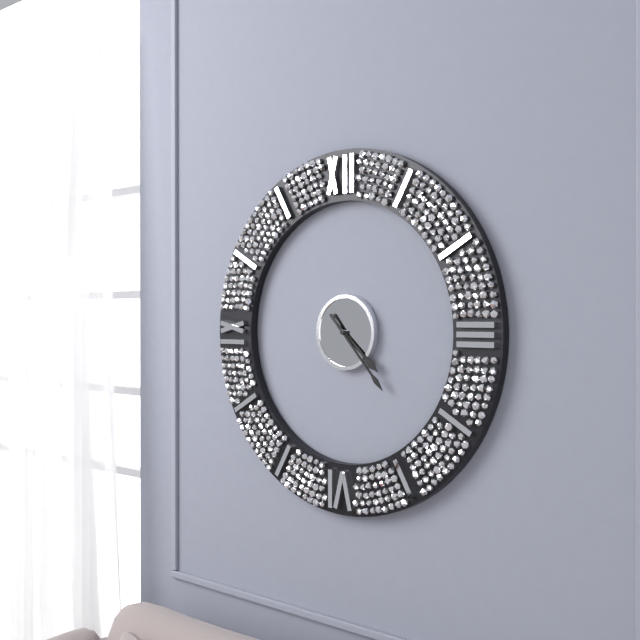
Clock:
4.23
